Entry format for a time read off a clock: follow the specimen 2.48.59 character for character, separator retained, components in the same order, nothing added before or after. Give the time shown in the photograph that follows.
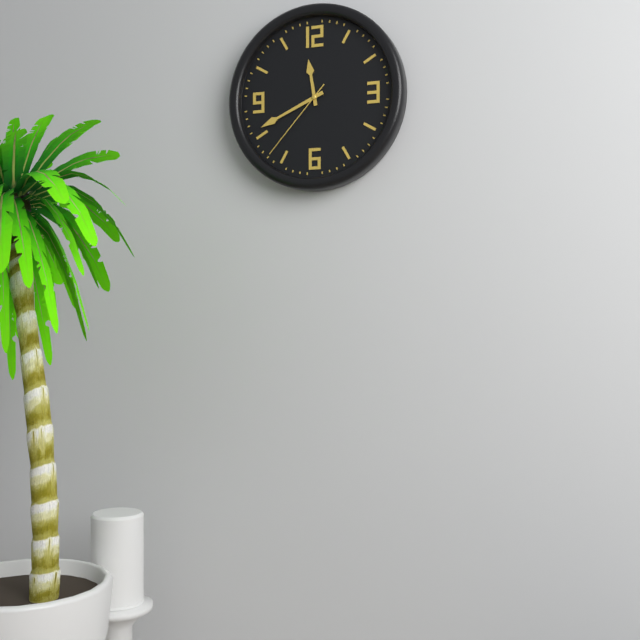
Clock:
11.41.37
